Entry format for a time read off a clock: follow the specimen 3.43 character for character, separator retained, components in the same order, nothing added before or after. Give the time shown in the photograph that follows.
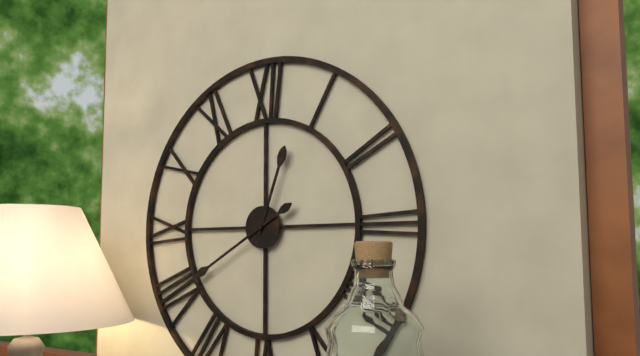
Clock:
12.40
